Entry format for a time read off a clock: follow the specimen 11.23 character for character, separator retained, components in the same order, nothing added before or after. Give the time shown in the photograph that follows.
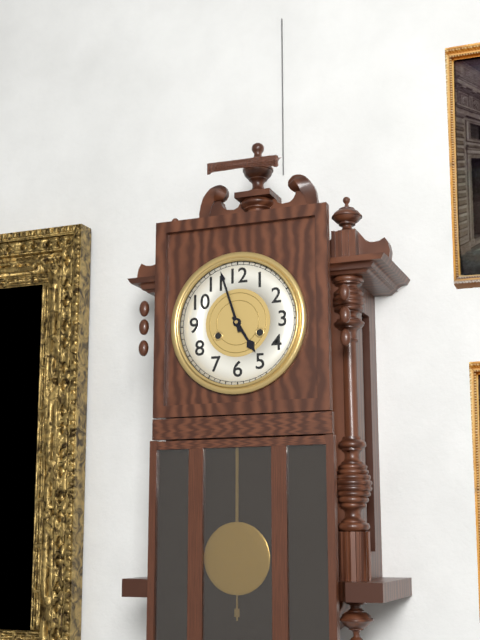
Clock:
4.57
